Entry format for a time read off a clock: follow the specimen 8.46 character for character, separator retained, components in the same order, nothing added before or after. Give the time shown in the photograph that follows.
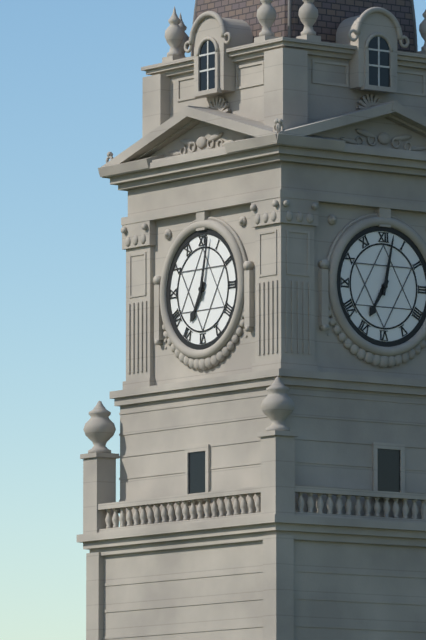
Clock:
7.02
